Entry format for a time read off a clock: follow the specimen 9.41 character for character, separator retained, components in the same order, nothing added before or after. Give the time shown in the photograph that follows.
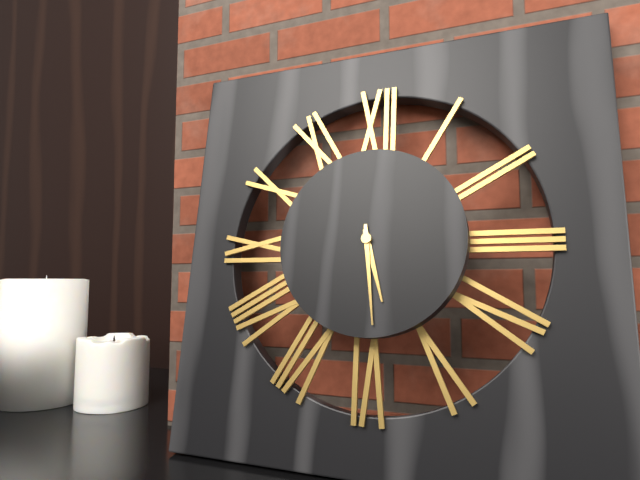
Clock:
5.29
